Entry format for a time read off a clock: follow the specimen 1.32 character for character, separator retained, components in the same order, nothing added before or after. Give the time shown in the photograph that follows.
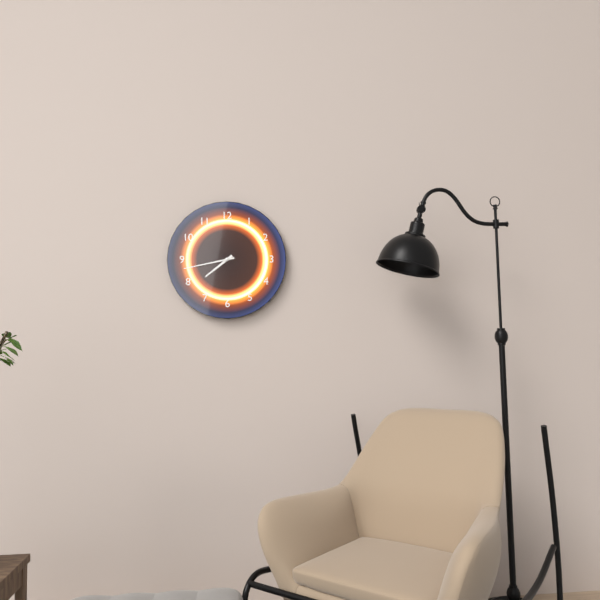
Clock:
7.43
